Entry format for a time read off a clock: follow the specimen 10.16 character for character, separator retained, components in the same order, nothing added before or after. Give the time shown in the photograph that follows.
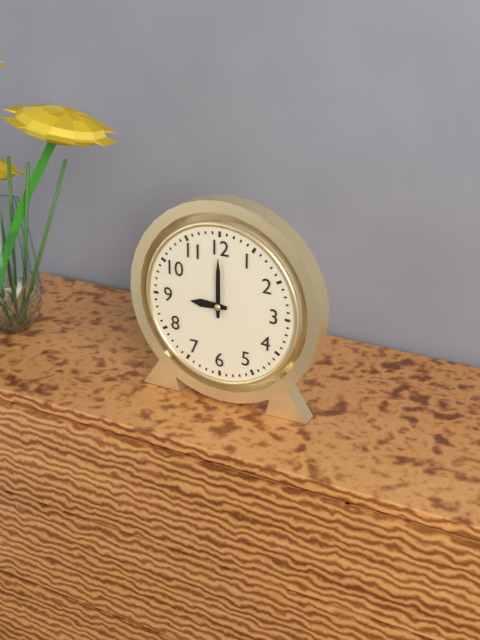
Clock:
9.00
